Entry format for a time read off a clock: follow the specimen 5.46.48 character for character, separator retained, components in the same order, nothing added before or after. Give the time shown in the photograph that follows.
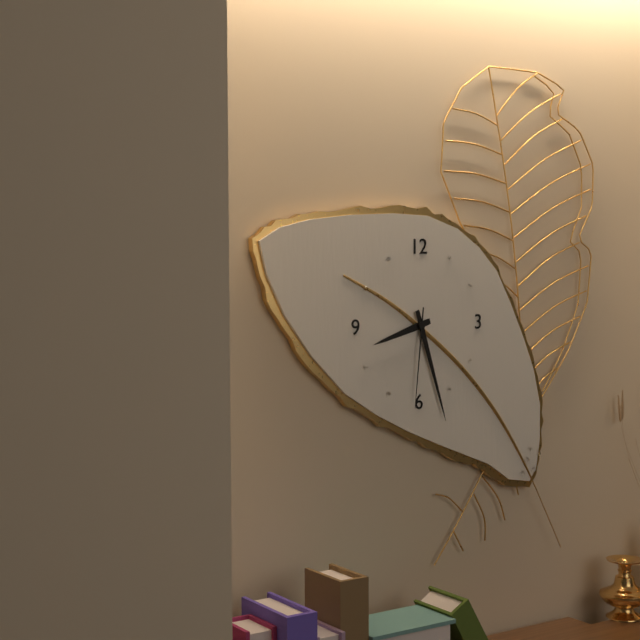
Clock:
8.27.31
